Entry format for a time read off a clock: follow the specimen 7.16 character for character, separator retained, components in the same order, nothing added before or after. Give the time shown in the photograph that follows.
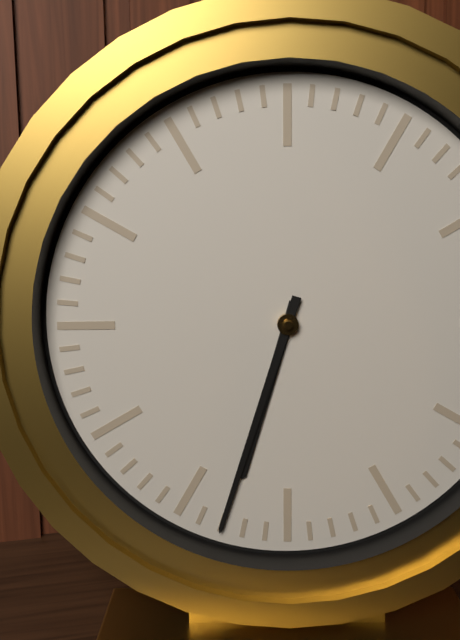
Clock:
6.33
